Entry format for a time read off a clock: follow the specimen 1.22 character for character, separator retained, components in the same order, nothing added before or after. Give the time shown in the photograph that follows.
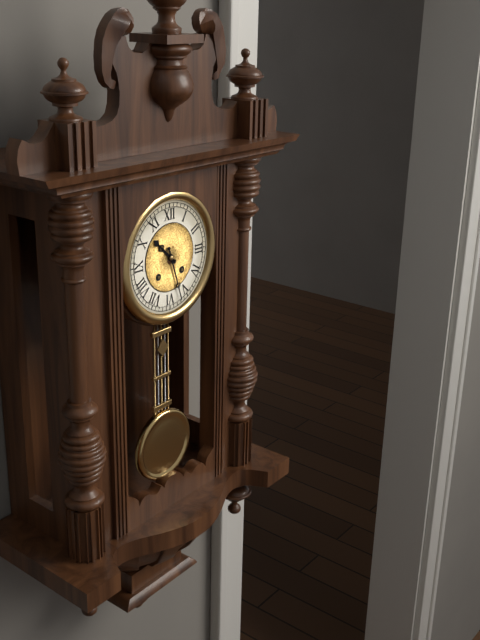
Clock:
10.27
